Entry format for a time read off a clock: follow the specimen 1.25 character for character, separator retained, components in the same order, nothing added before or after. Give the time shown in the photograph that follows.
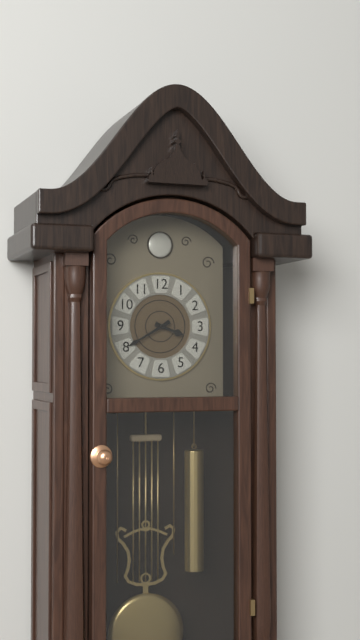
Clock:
3.40
